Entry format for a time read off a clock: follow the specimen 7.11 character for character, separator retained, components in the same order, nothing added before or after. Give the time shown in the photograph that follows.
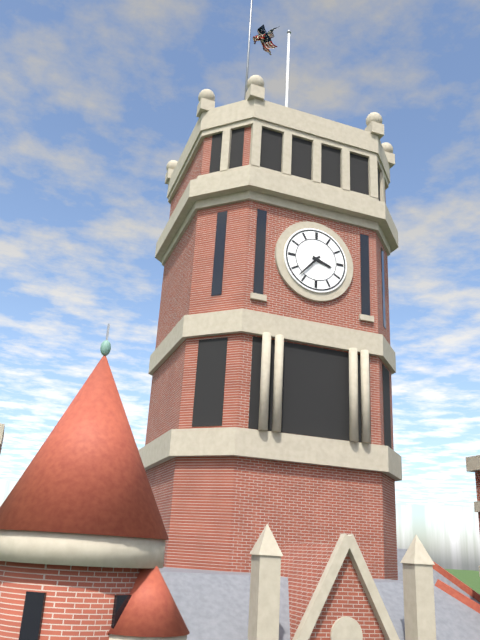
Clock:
3.37
